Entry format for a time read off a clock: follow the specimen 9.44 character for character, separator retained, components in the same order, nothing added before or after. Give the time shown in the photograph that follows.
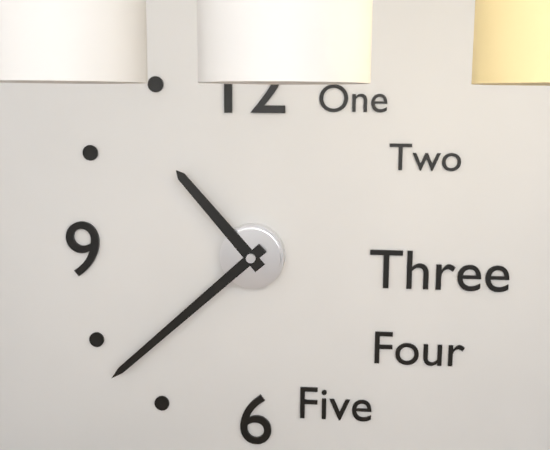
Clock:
10.38
